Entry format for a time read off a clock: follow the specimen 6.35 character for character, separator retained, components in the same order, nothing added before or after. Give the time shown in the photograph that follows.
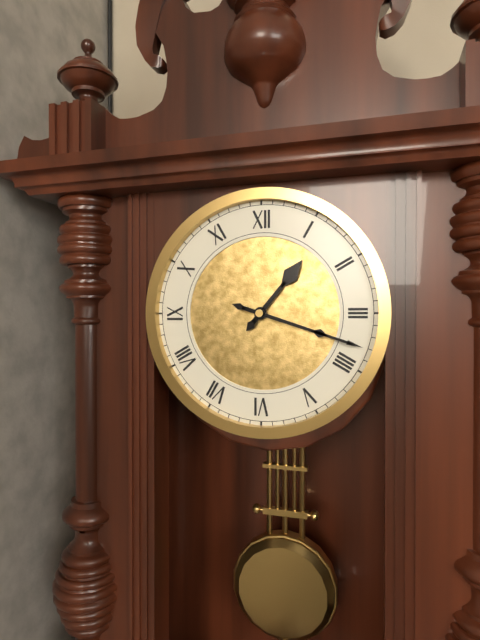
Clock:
1.18
